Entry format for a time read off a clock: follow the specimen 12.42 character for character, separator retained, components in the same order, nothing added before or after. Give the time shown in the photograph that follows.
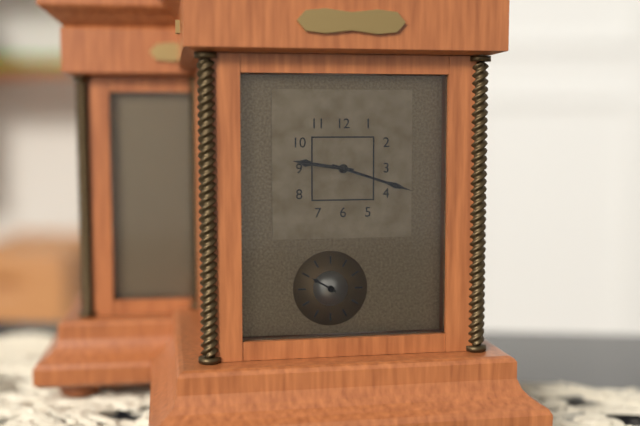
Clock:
9.18
